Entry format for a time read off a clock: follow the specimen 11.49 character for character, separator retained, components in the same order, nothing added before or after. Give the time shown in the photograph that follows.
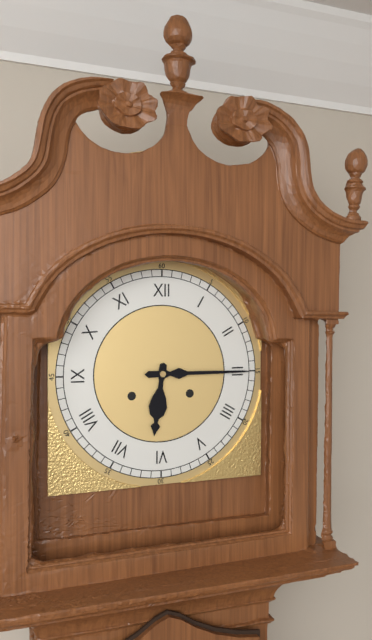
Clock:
6.15
